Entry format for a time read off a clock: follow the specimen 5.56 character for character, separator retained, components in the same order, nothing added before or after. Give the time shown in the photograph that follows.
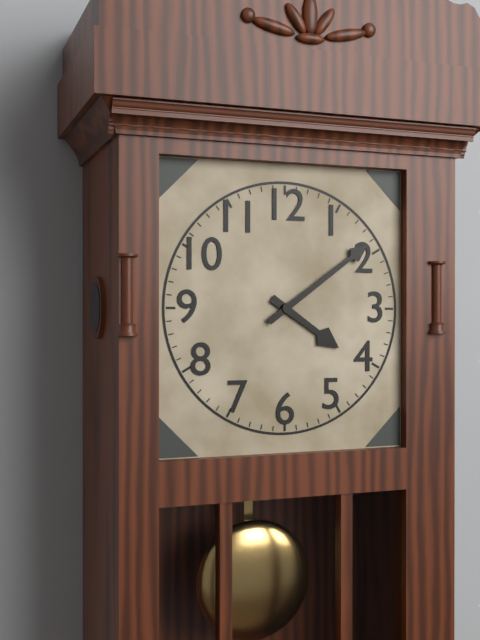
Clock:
4.09
